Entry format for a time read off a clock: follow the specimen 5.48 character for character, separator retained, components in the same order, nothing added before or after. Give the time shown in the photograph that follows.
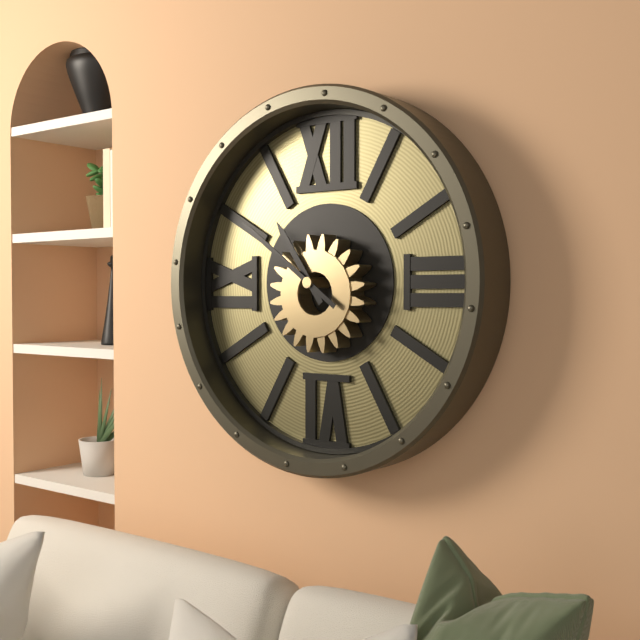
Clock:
10.51
